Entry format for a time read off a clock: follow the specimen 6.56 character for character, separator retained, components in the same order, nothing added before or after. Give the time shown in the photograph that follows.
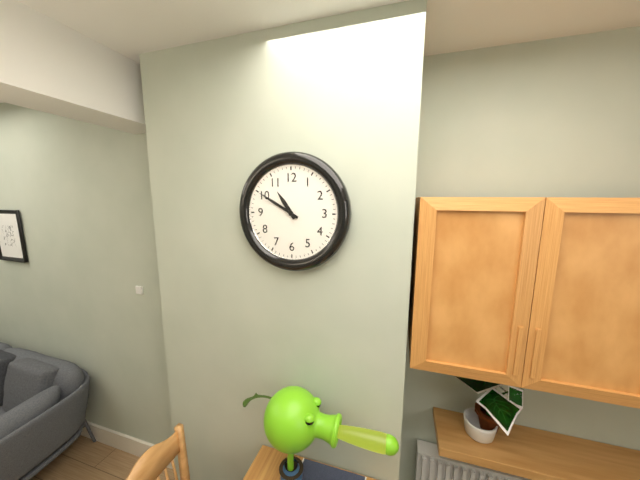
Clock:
10.50
